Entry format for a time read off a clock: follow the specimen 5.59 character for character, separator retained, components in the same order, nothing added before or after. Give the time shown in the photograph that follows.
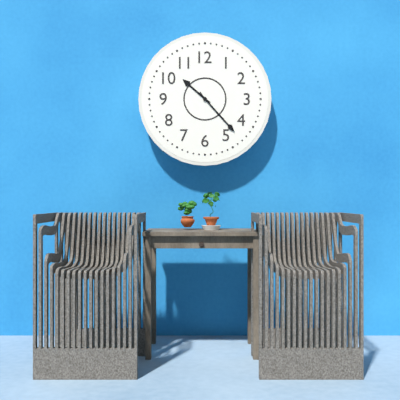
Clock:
10.23
